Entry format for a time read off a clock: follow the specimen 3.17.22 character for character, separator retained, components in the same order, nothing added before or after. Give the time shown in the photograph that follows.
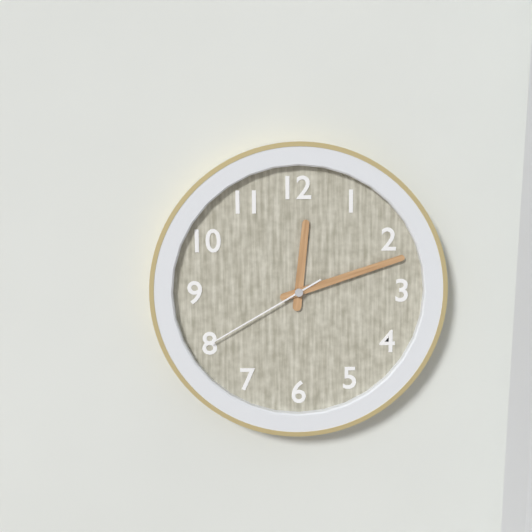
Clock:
12.12.40
